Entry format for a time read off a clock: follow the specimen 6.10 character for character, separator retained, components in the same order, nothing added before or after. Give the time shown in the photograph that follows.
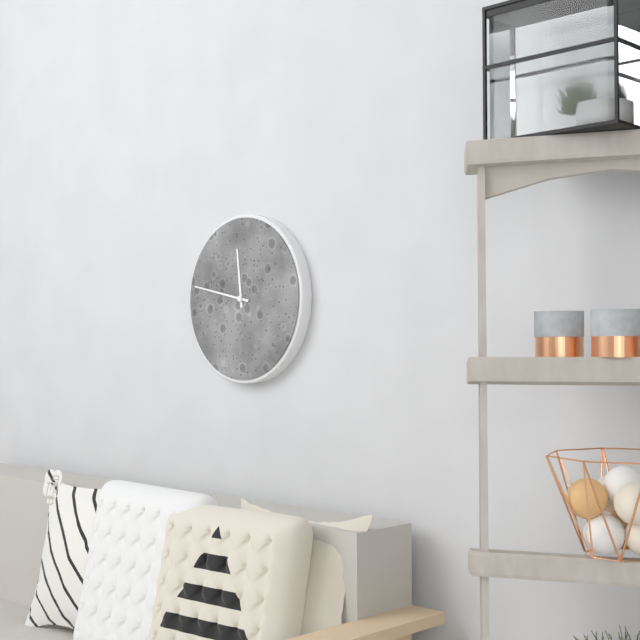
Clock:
11.47
